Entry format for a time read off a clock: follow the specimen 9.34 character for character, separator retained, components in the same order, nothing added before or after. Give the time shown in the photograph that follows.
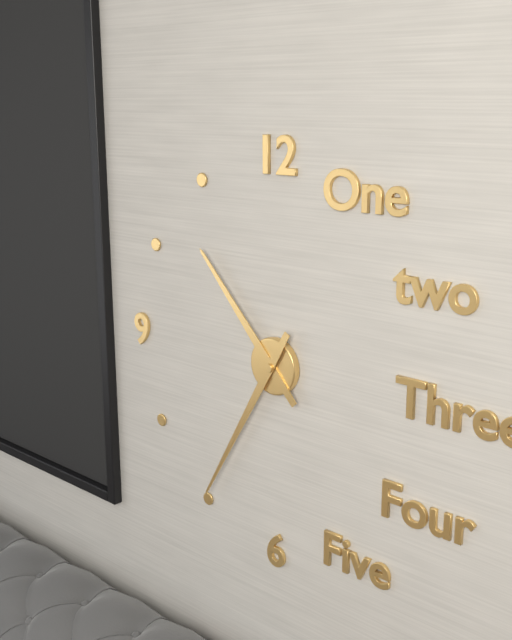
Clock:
10.35
